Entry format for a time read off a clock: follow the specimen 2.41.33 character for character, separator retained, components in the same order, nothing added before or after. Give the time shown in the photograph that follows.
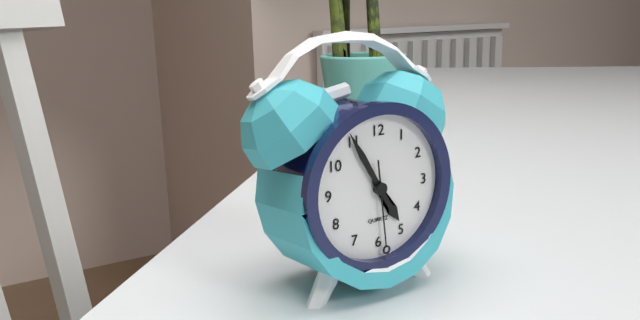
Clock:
4.55.29
